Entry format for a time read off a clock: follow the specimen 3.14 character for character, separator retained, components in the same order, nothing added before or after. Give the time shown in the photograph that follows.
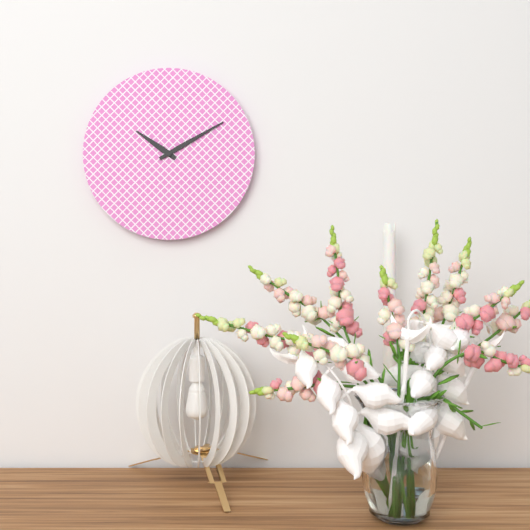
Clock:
10.10
